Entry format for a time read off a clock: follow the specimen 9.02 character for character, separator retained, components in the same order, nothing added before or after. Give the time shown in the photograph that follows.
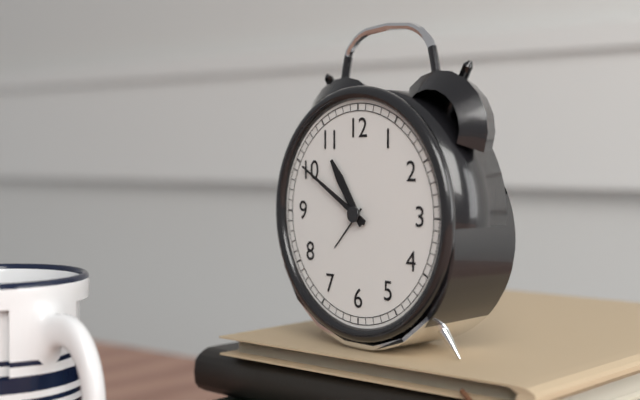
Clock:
10.50
